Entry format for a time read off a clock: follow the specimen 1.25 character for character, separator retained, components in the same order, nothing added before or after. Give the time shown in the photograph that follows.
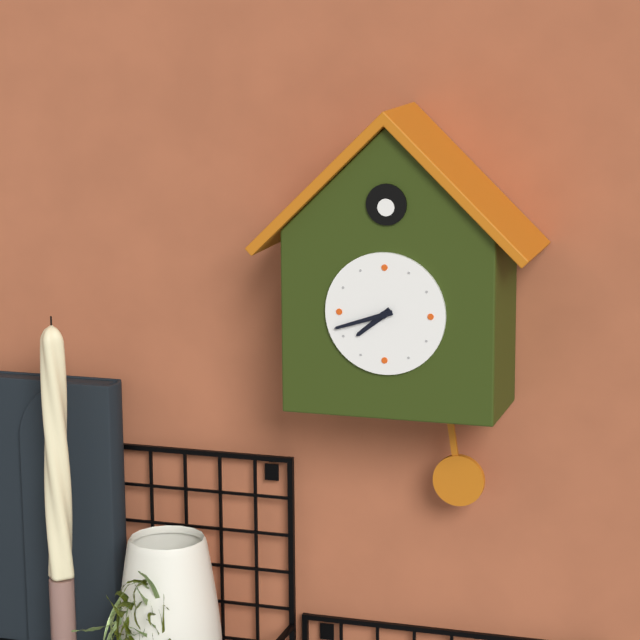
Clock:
7.42
